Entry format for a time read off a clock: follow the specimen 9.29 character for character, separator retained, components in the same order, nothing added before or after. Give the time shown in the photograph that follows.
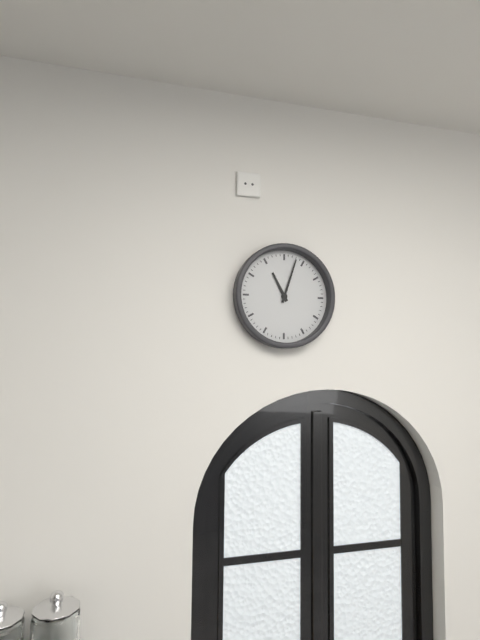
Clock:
11.03
